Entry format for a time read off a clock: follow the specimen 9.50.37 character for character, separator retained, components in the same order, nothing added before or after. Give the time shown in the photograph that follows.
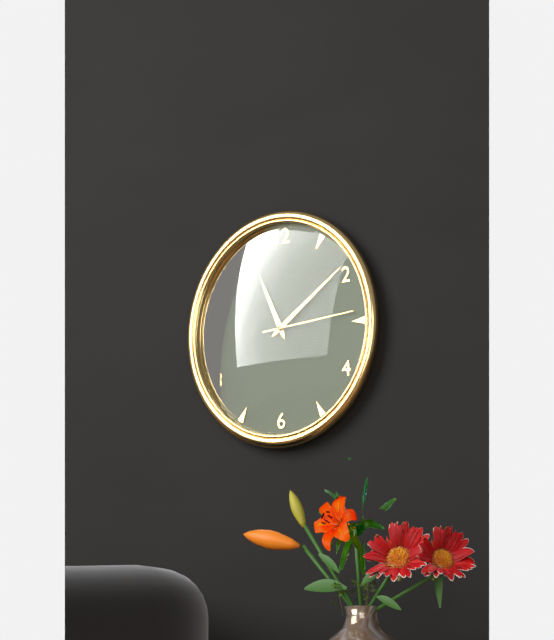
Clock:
11.09.14
